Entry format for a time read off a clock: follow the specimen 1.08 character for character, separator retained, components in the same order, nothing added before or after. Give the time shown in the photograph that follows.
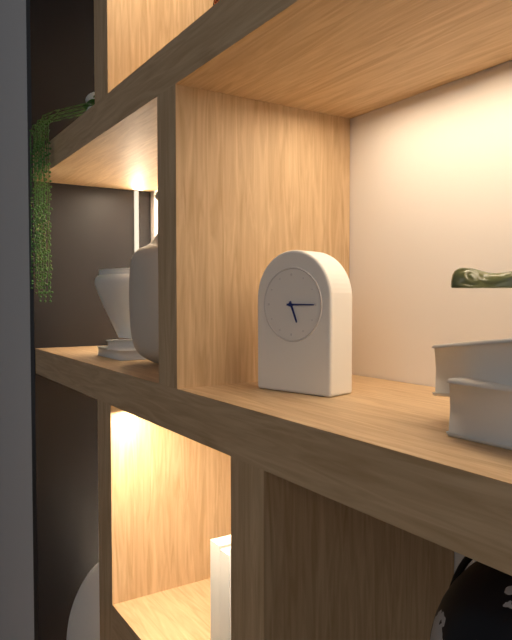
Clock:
5.15
